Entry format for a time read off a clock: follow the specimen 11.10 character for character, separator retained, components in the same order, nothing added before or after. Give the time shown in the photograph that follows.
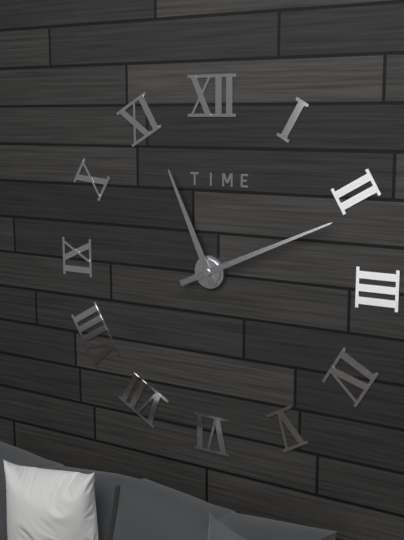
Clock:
11.11
